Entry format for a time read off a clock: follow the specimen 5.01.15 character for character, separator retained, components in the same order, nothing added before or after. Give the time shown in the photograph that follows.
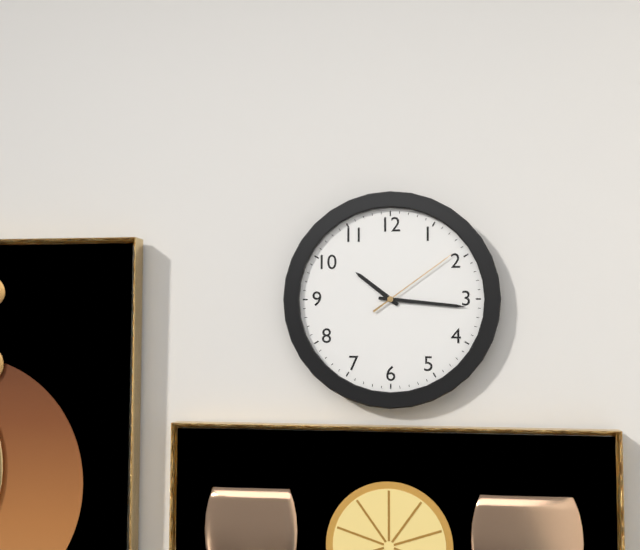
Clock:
10.16.09
